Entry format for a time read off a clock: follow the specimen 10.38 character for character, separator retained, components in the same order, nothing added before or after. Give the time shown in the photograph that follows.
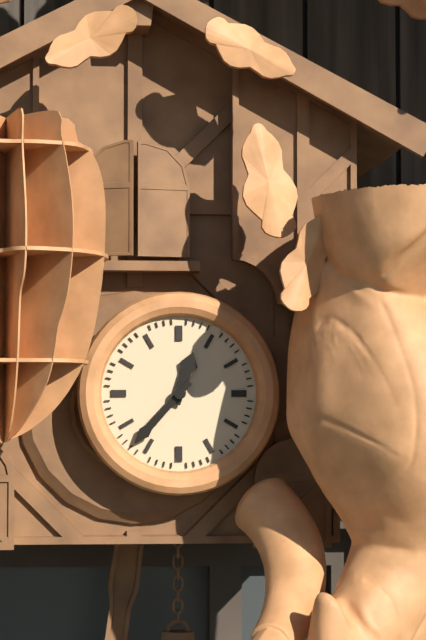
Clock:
12.37
